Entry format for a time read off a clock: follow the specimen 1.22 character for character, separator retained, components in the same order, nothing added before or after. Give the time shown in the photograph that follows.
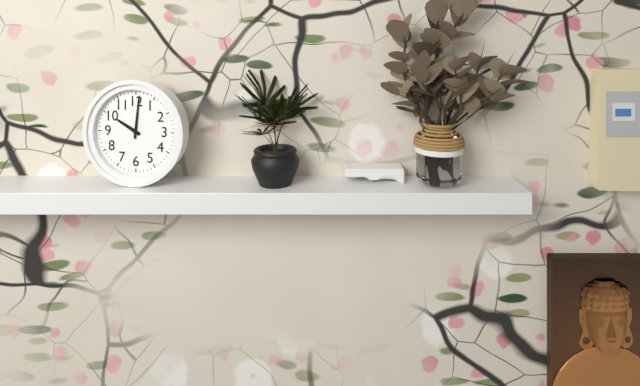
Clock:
10.01
